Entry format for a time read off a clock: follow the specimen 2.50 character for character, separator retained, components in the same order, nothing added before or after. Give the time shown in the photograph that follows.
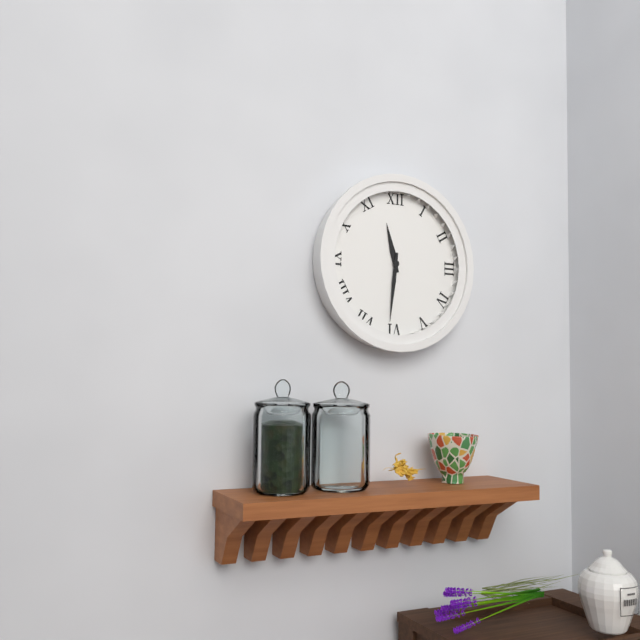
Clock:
11.31
